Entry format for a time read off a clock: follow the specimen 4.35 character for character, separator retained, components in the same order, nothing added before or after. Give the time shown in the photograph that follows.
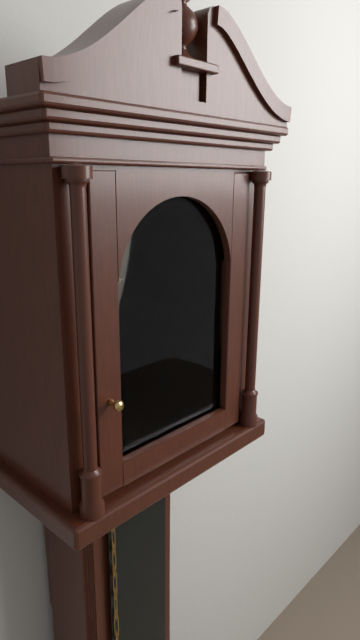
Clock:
2.07
